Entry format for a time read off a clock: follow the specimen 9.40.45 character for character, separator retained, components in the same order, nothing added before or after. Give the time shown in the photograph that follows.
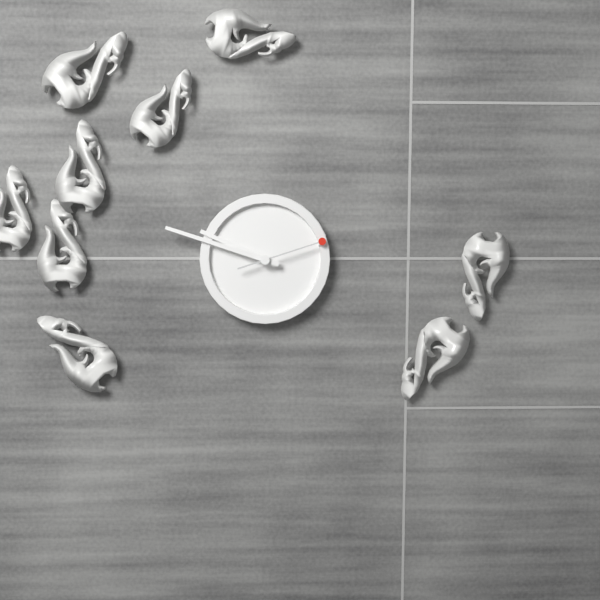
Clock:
9.48.12
